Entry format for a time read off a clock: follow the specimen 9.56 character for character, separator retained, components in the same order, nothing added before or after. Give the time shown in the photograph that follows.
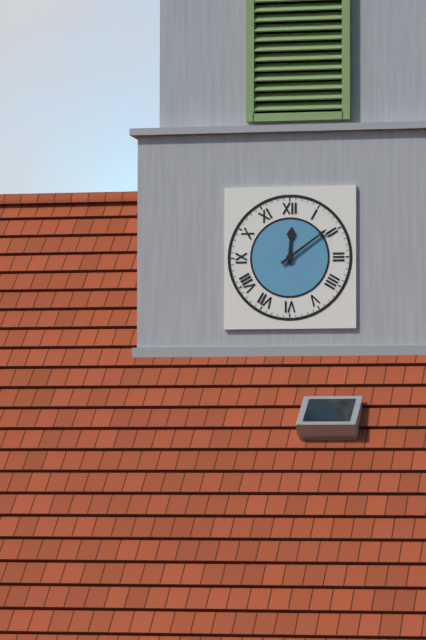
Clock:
12.09
